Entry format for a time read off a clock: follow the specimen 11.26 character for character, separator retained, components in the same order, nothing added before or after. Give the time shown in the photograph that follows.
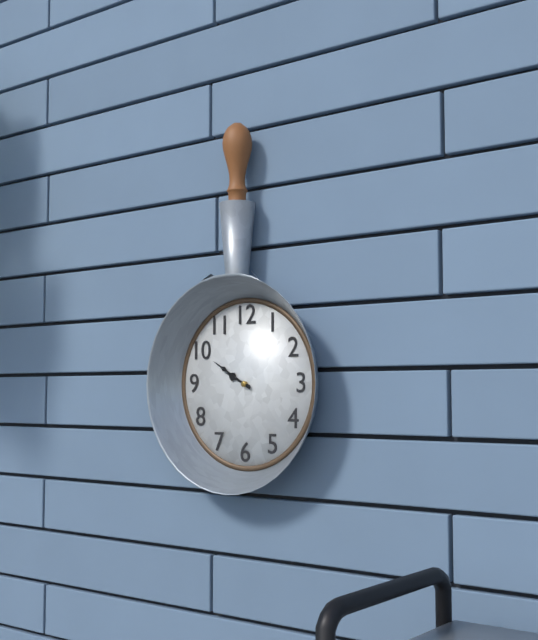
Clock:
9.50
